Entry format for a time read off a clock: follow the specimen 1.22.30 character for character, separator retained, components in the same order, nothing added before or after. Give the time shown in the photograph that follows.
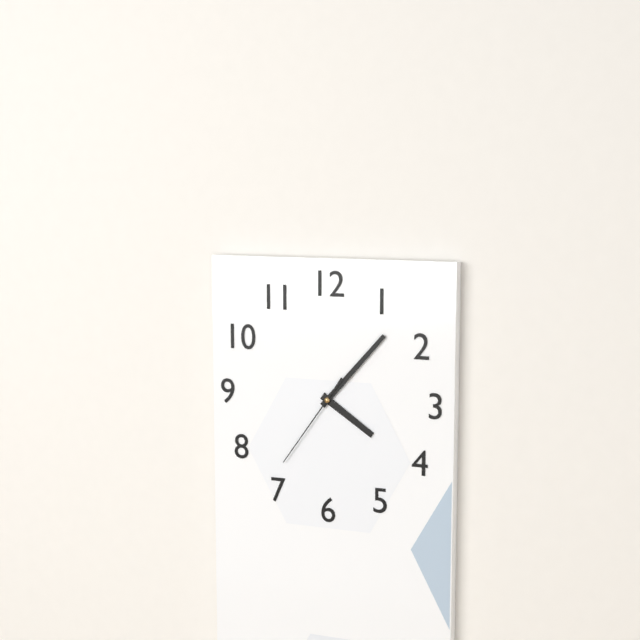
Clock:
4.07.36
